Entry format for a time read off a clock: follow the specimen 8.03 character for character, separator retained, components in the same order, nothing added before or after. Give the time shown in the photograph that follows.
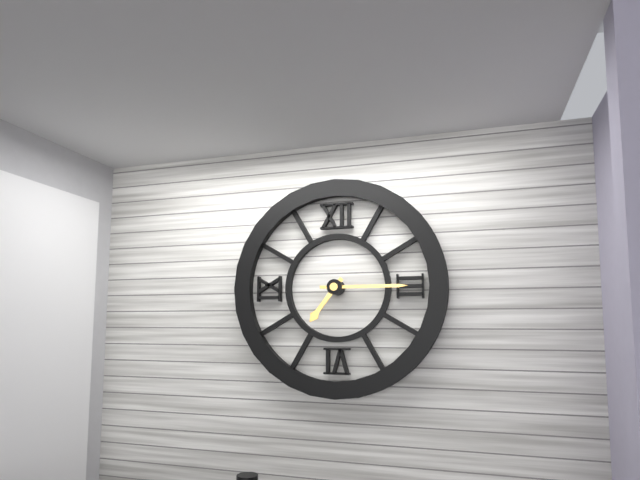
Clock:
7.15
